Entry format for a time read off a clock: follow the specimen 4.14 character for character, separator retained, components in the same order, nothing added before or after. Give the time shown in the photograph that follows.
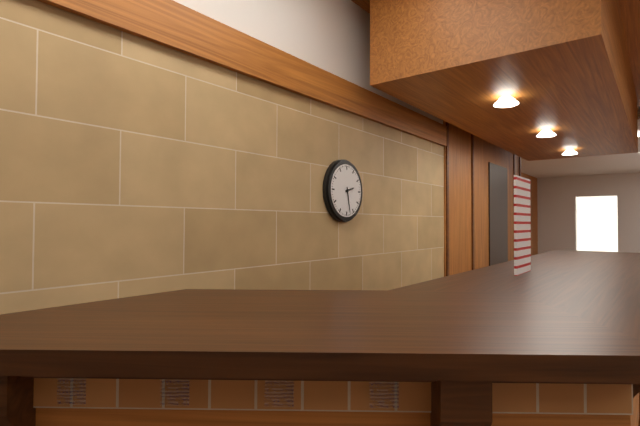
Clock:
2.28
